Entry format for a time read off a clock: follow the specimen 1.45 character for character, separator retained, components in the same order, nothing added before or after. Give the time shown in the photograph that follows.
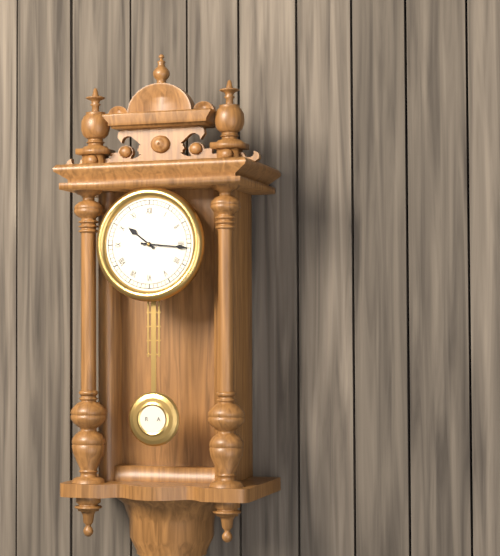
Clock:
10.16
